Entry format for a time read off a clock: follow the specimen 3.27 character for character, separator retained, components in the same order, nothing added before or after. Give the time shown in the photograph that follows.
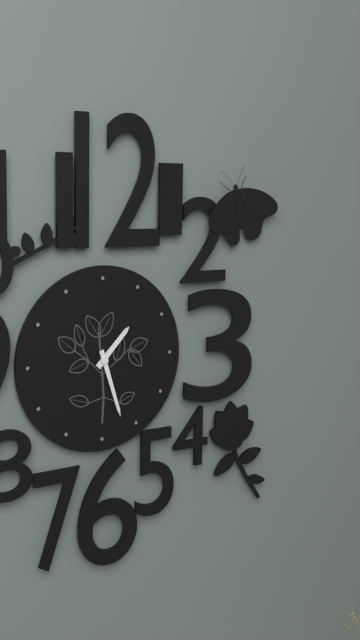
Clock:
1.27
